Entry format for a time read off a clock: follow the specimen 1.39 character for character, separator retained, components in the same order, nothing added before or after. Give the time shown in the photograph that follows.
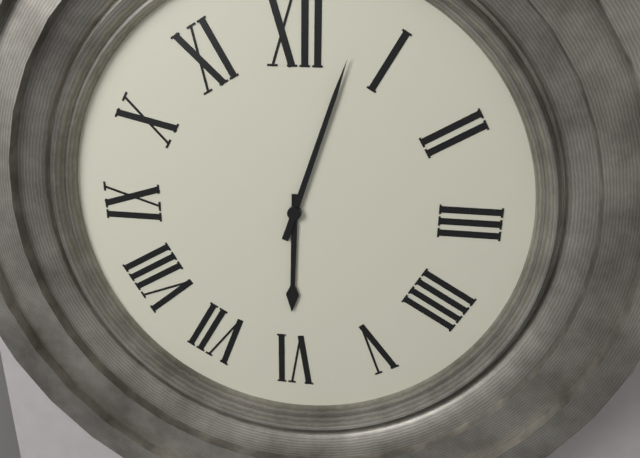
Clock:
6.03
